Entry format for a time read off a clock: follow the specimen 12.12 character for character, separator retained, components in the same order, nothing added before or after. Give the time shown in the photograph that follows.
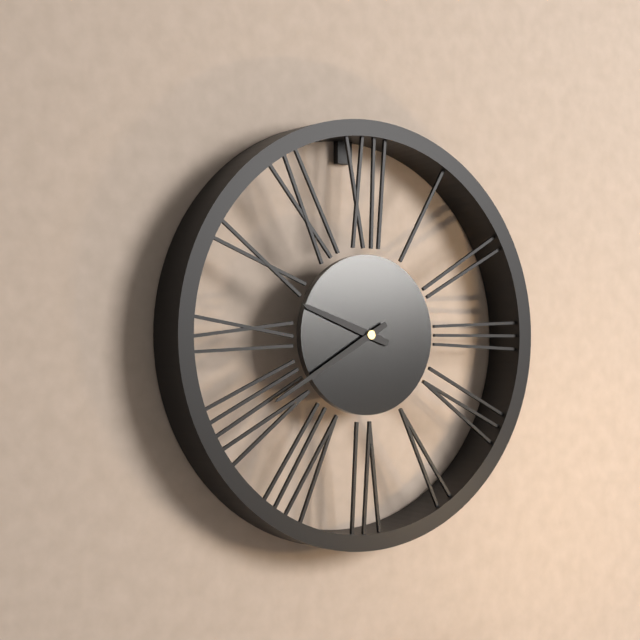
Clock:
9.40
